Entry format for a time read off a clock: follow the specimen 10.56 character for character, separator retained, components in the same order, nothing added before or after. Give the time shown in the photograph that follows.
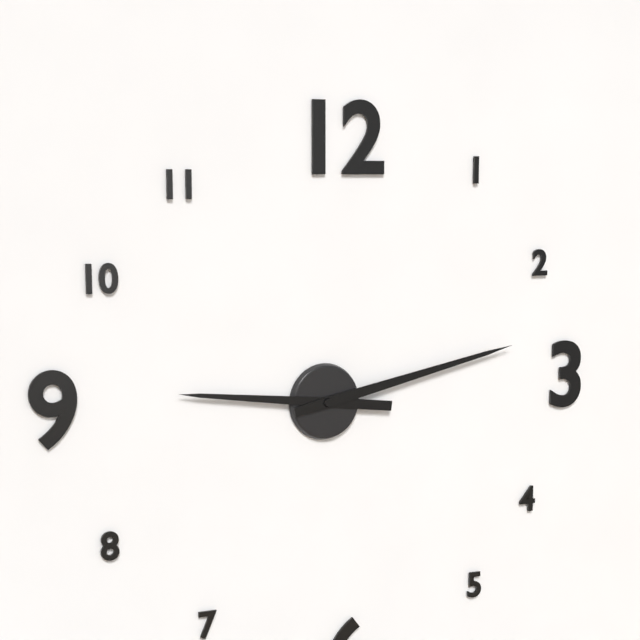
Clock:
9.13
